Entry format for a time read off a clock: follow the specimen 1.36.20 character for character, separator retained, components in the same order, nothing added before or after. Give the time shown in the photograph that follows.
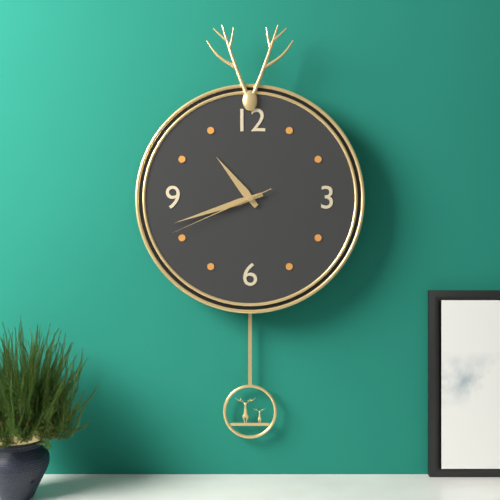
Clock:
10.42.41
